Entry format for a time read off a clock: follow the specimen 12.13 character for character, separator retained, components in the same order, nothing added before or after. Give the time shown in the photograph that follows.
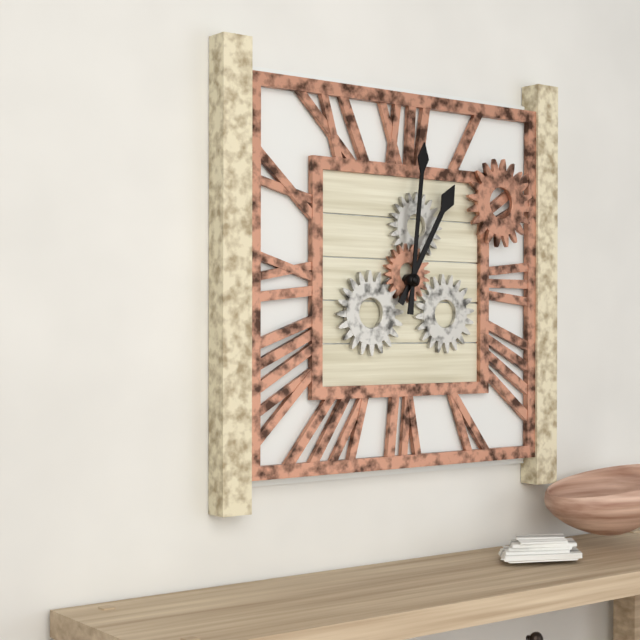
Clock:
1.01
